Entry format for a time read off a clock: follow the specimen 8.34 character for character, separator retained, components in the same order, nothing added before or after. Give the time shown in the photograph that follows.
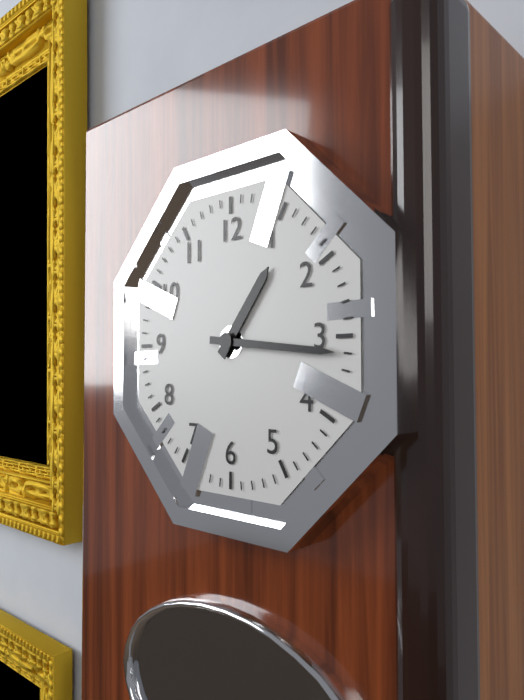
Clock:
1.16
